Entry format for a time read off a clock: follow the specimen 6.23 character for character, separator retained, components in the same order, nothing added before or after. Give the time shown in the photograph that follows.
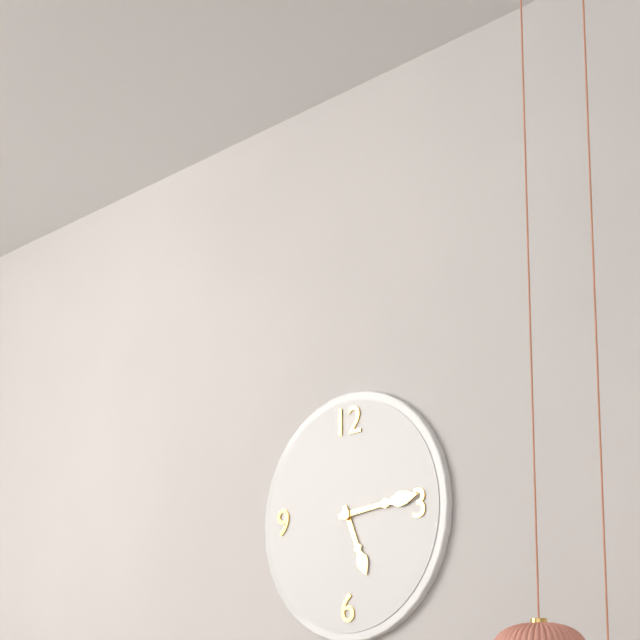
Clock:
5.14
